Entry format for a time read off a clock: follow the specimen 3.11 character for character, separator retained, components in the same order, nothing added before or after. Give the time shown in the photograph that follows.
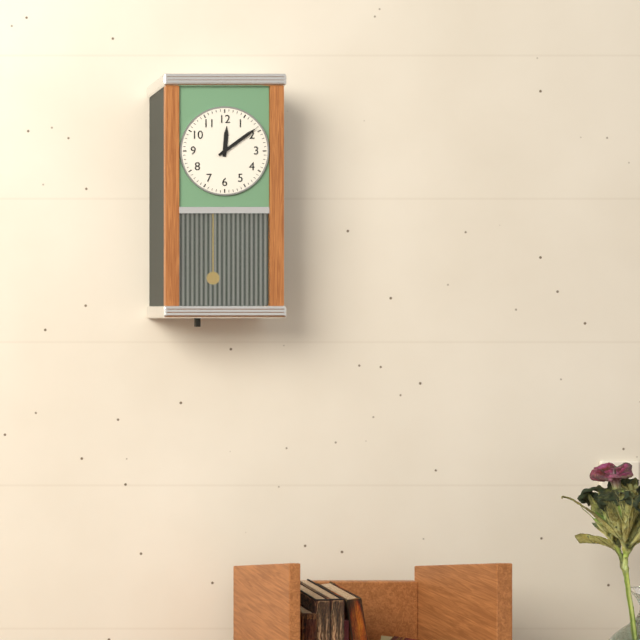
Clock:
12.09
